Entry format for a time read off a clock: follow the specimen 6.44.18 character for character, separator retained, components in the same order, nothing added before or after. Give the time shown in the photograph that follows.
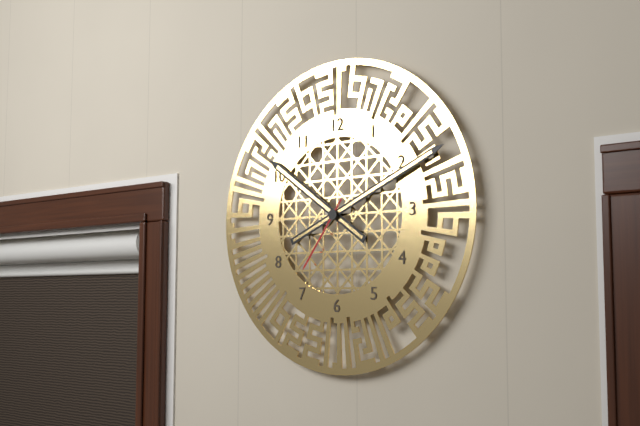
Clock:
10.11.36
